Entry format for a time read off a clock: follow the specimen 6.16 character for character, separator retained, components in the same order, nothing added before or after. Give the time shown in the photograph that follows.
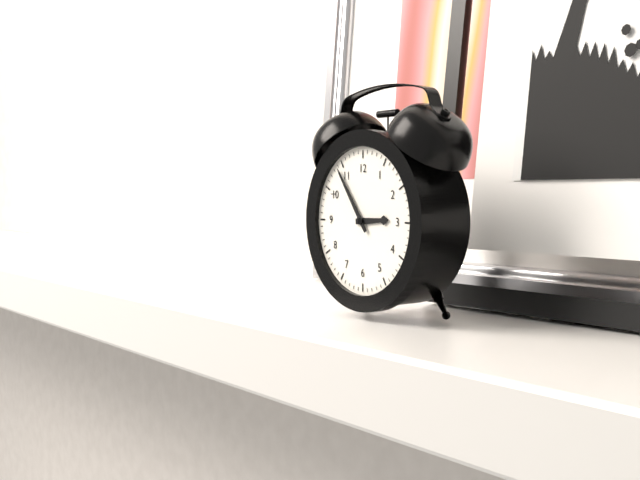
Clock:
2.54
